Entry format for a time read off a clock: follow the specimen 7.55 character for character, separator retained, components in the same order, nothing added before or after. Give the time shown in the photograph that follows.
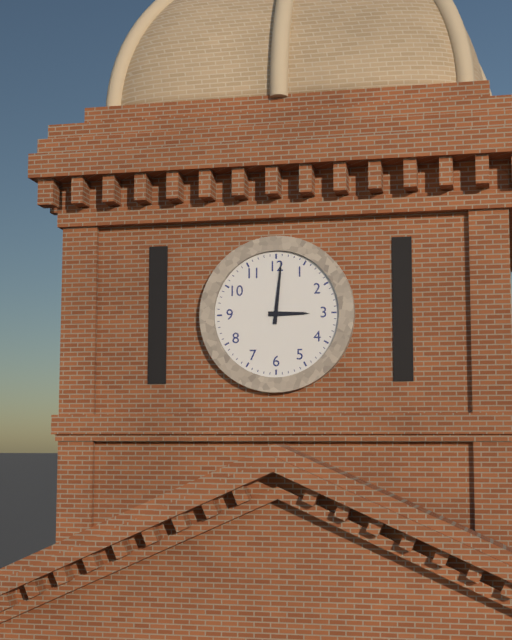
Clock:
3.01
